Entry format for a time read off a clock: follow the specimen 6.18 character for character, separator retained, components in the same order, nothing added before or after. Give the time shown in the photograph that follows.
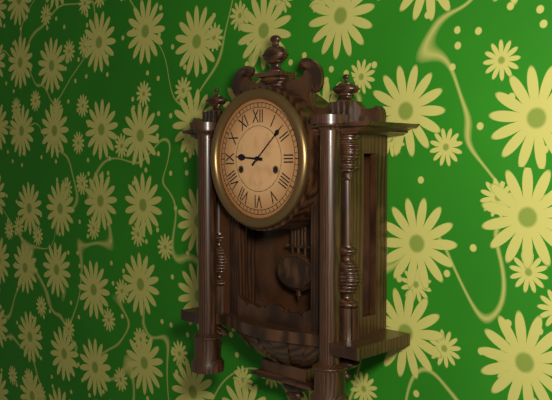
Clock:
9.08
